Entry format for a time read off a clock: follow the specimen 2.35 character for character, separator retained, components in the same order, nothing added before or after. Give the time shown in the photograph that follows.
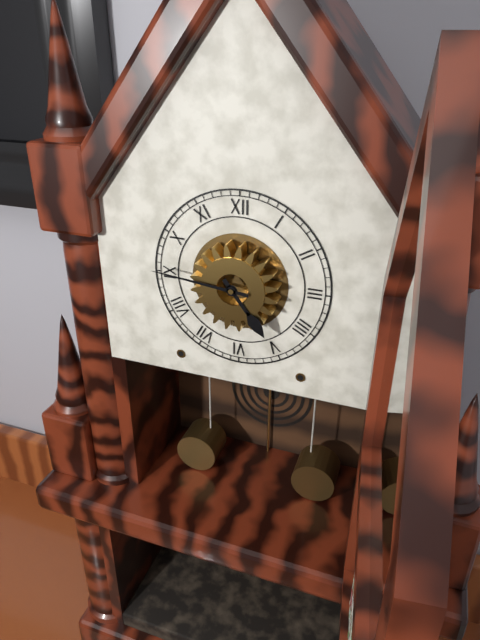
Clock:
4.46
